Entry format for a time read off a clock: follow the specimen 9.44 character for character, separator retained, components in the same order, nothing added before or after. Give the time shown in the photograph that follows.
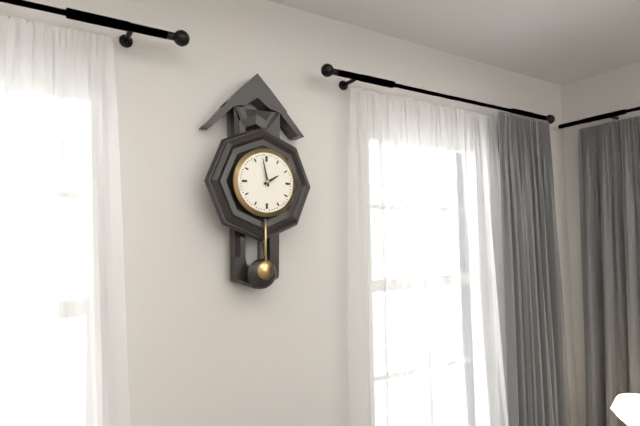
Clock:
1.58
